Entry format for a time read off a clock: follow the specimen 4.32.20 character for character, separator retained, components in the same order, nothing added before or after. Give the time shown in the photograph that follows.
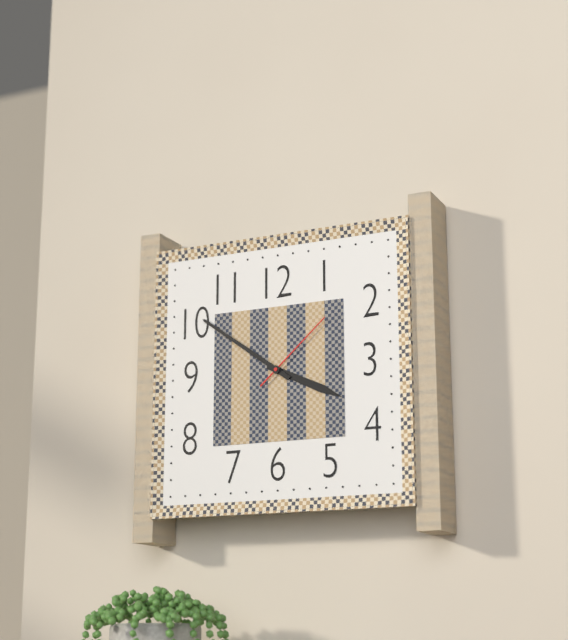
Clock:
3.51.08
